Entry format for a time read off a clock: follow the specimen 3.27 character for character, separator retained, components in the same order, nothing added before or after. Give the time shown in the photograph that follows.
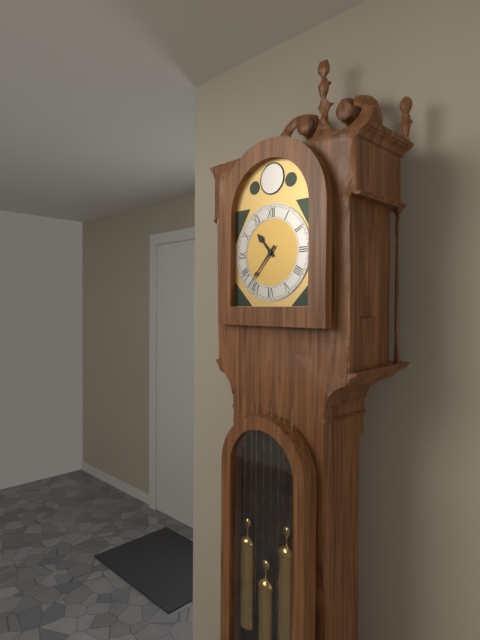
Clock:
10.37
